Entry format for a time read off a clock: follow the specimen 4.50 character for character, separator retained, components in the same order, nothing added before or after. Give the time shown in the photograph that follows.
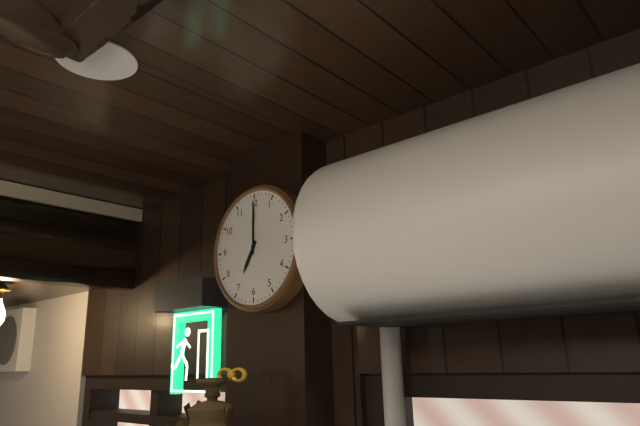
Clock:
7.00
